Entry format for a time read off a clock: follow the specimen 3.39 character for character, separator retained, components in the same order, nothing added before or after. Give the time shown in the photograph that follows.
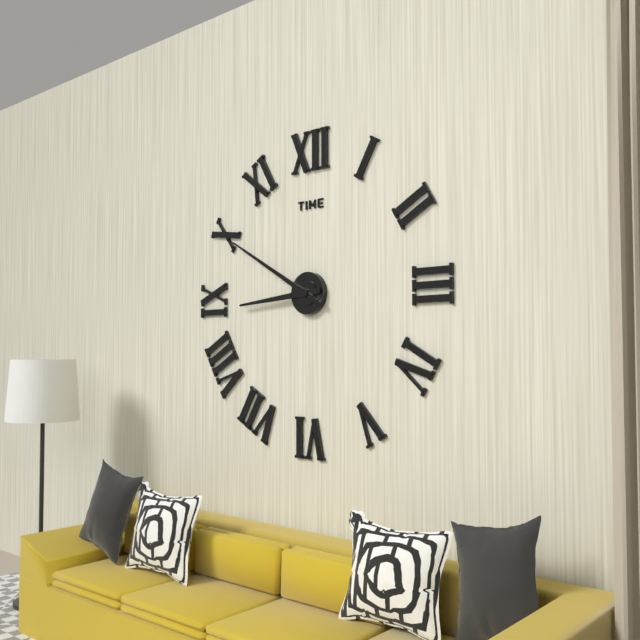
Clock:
8.50
